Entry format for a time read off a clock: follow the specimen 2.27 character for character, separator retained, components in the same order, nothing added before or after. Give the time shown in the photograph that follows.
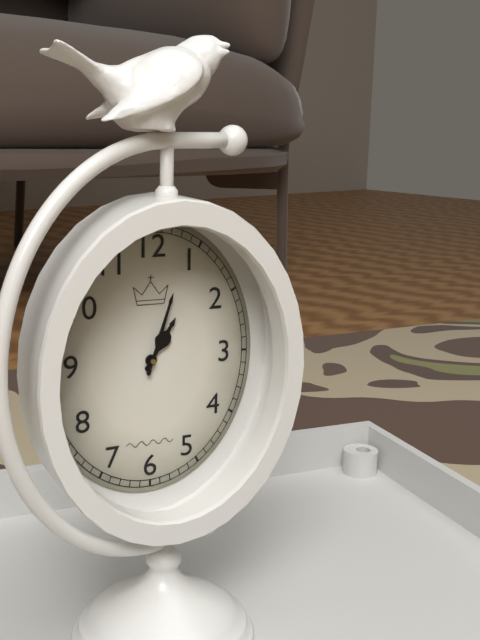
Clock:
1.03
